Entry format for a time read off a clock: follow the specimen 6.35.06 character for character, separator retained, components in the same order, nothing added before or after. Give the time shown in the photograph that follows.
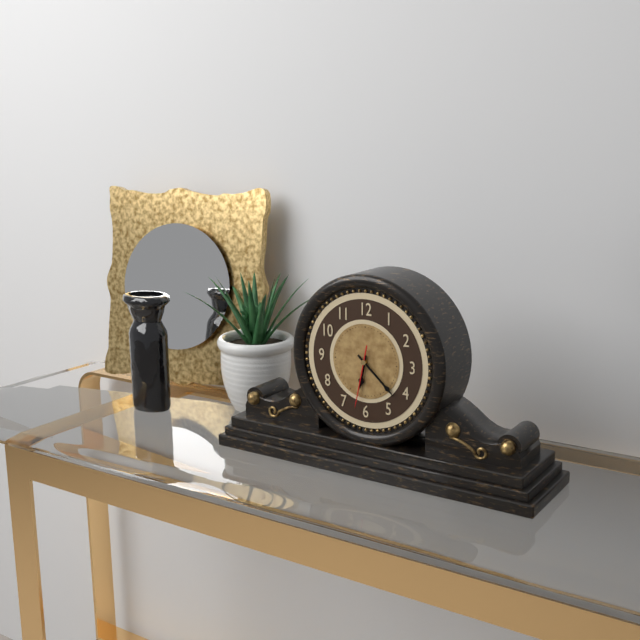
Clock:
6.22.32
